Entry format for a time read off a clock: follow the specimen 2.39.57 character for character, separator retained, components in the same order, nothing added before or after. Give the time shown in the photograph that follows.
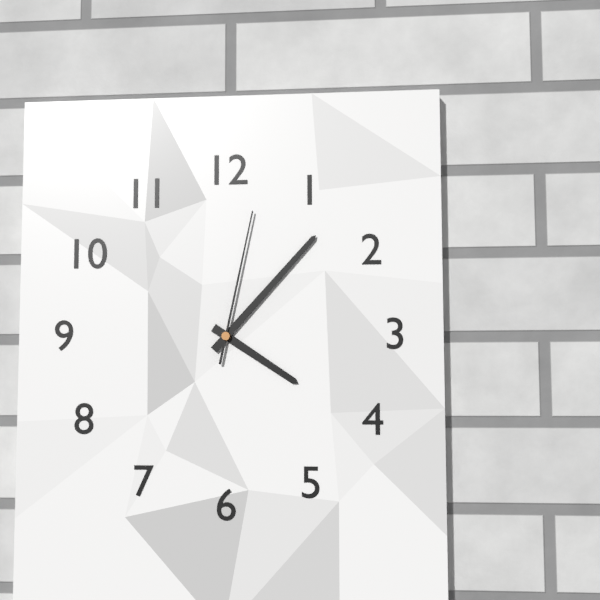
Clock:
4.07.02
